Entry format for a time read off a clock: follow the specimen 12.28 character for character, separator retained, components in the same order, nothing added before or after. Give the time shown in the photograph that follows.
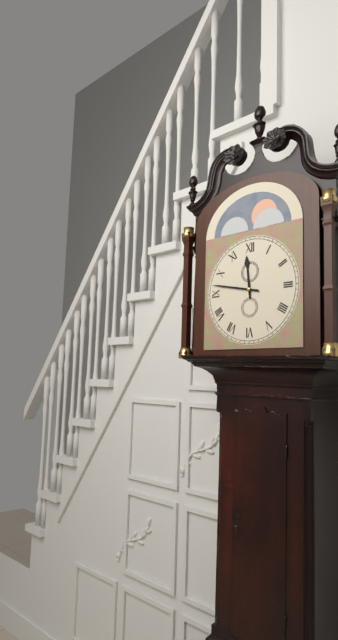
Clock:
11.47
